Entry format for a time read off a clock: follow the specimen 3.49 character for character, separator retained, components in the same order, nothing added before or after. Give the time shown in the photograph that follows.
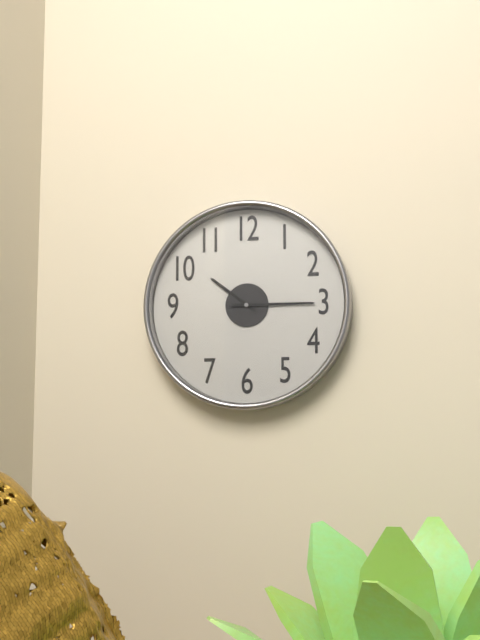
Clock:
10.15
